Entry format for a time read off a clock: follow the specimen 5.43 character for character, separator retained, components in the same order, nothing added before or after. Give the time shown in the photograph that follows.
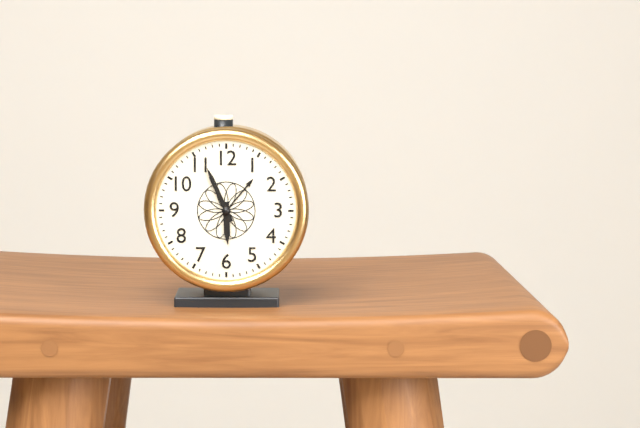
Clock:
5.56
